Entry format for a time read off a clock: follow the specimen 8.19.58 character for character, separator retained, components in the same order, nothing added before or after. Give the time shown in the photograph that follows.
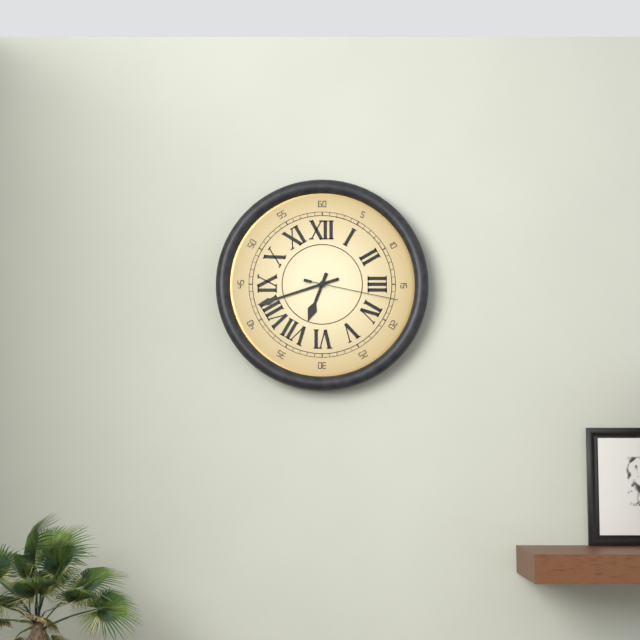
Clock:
6.42.17
